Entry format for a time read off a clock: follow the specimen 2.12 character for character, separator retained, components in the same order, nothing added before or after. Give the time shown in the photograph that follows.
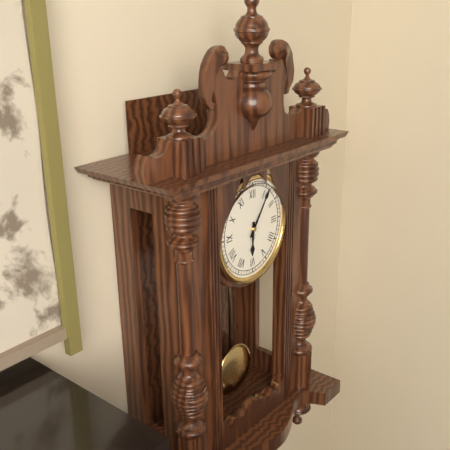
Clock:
6.06
